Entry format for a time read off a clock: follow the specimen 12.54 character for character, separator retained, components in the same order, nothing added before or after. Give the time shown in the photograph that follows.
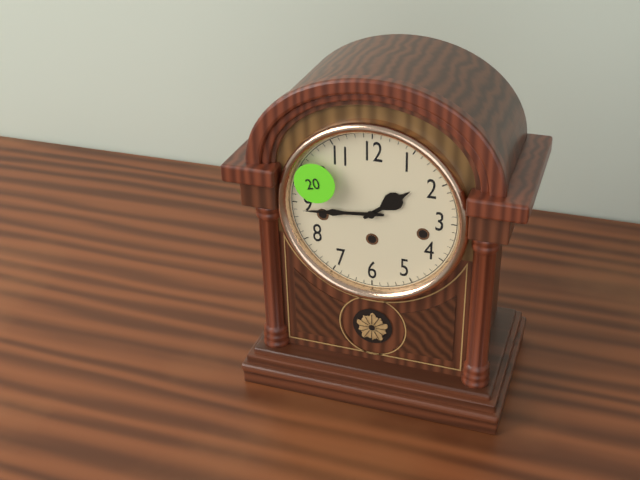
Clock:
1.44
